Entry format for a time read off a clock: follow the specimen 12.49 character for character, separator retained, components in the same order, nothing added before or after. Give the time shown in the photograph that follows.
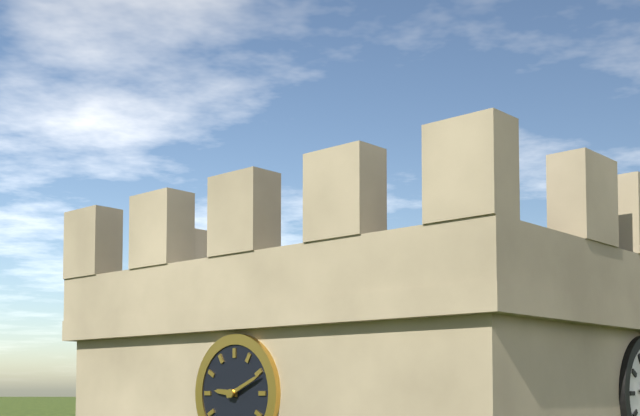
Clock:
9.11
